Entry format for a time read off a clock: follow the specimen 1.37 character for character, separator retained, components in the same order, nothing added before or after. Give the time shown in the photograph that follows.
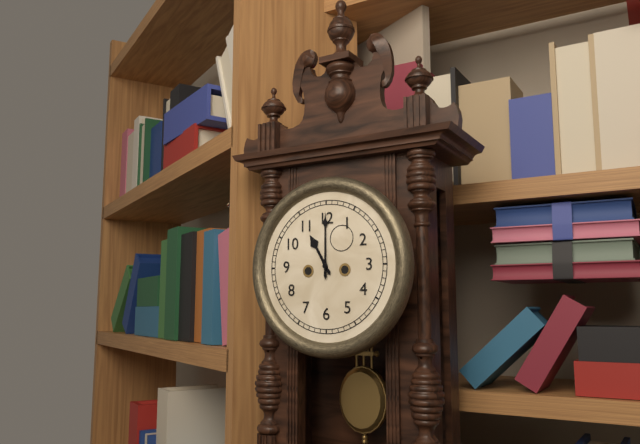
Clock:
11.00
